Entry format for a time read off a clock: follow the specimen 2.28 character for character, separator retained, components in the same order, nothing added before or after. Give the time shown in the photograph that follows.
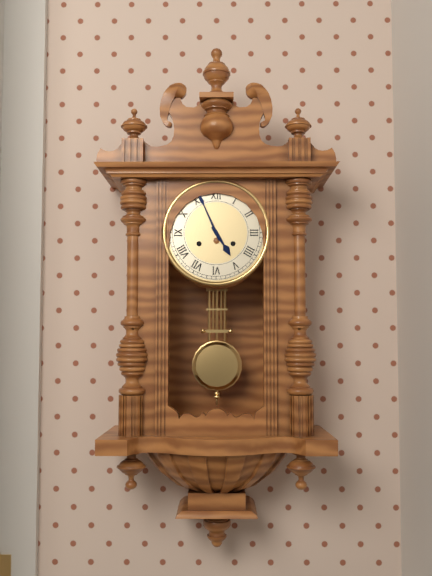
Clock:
4.56
